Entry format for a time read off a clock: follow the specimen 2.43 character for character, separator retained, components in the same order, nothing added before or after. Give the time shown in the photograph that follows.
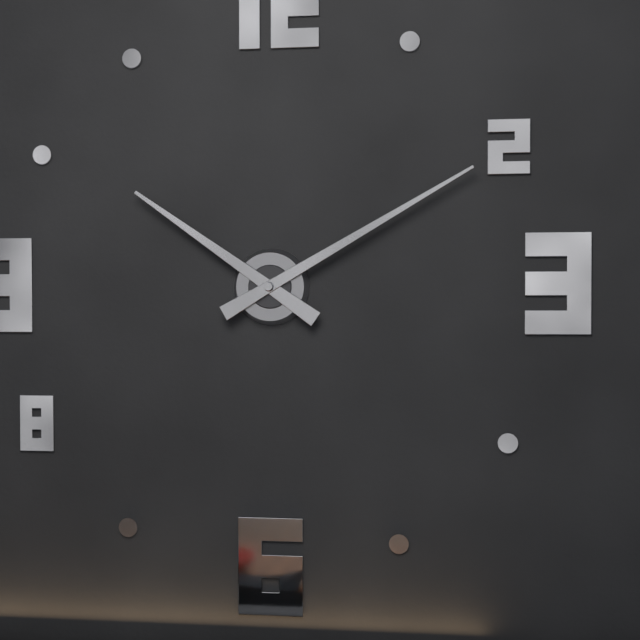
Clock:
10.10
